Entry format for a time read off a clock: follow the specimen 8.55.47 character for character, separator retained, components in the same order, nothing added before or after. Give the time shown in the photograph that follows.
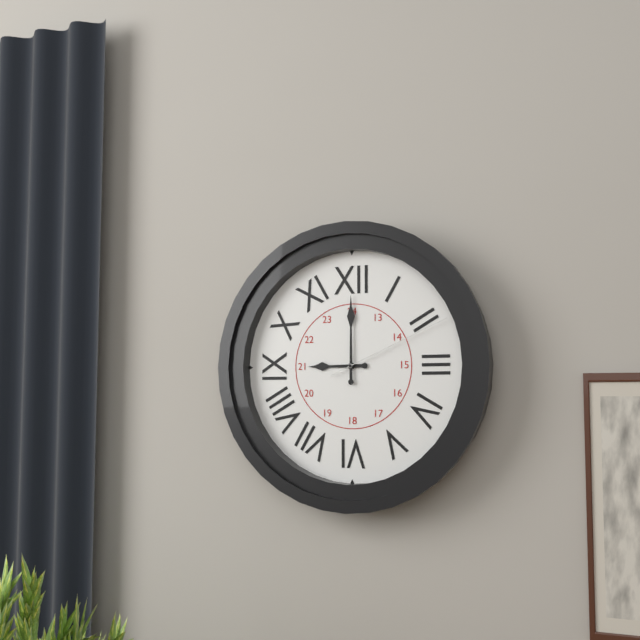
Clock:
9.00.11
